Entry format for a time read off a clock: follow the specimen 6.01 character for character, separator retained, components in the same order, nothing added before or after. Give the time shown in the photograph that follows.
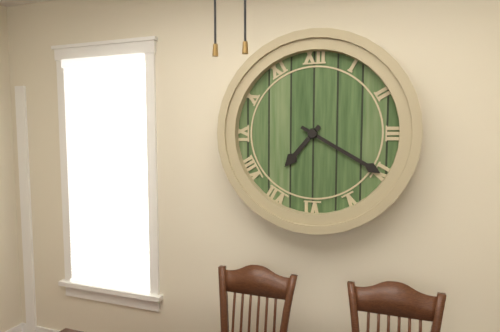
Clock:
7.20
